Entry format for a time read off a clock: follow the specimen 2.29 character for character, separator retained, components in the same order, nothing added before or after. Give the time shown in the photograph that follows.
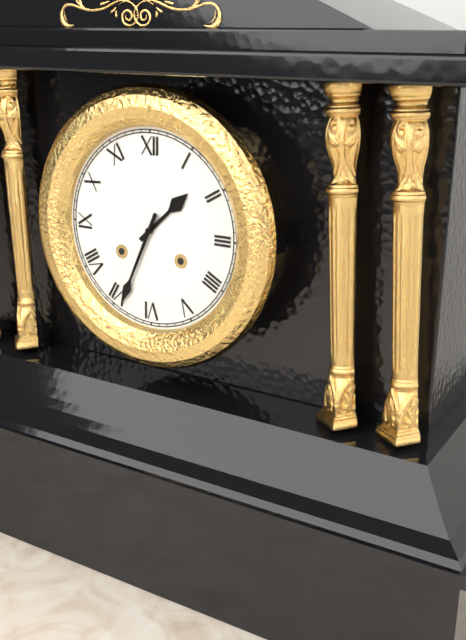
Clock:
1.34
